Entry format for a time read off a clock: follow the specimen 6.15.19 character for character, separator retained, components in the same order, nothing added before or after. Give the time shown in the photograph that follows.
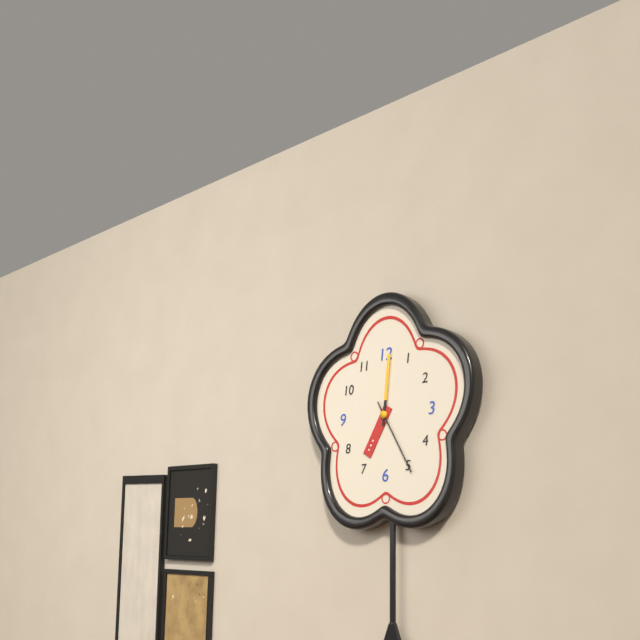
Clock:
7.01.25
